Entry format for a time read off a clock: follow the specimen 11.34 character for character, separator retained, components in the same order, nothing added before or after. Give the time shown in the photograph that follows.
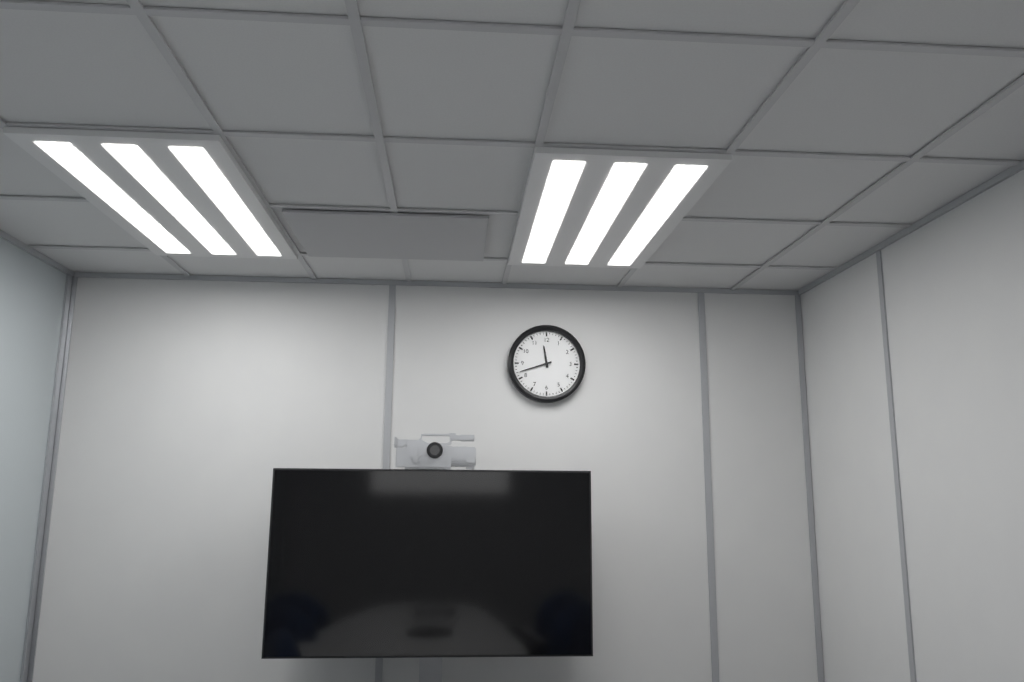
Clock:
11.42
